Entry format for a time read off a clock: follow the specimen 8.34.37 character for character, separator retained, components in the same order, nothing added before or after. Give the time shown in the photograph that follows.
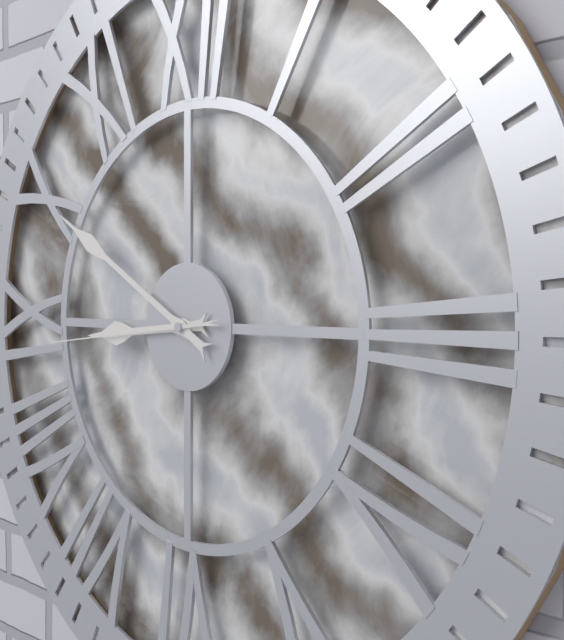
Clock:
8.50.44
